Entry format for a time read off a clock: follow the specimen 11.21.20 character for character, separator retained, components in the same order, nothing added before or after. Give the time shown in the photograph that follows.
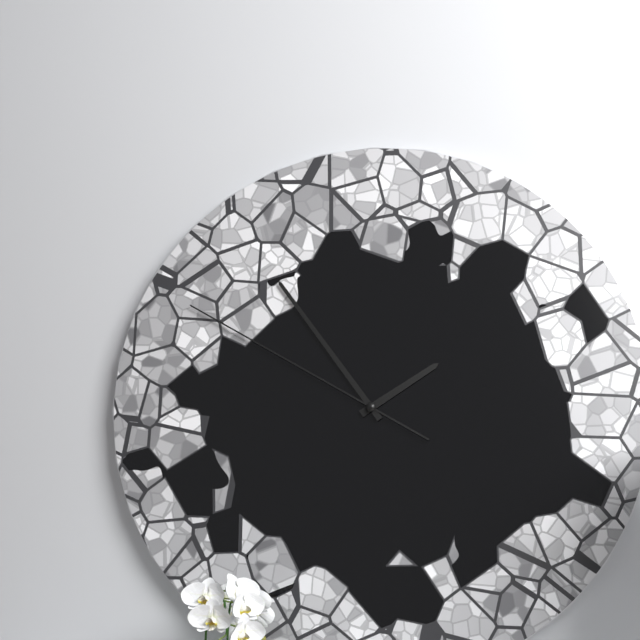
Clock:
1.54.50
